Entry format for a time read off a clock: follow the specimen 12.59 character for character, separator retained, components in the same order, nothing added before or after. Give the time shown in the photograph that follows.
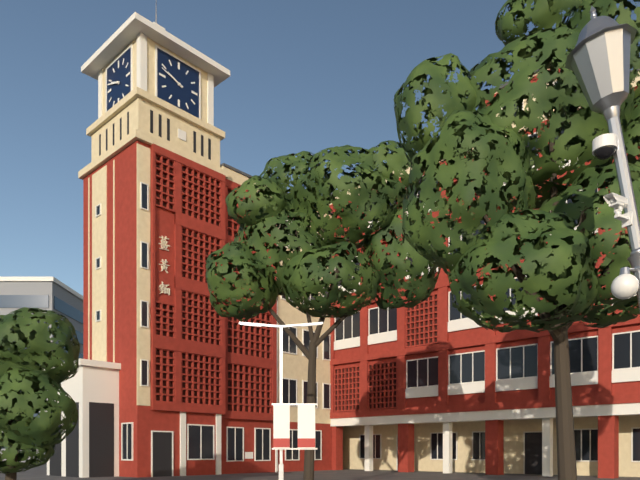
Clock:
9.48
